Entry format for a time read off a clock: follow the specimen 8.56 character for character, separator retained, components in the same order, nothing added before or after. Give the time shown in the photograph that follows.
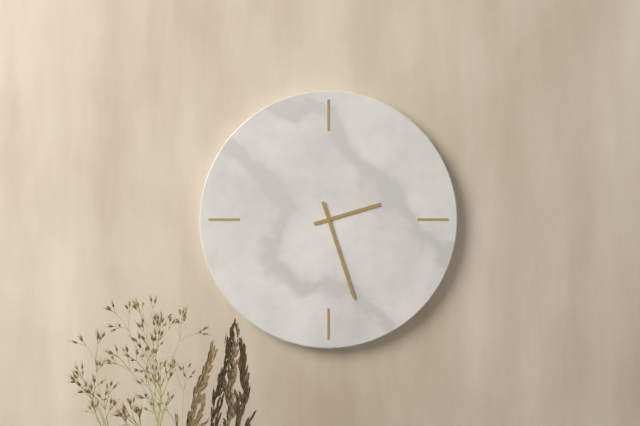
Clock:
2.27
